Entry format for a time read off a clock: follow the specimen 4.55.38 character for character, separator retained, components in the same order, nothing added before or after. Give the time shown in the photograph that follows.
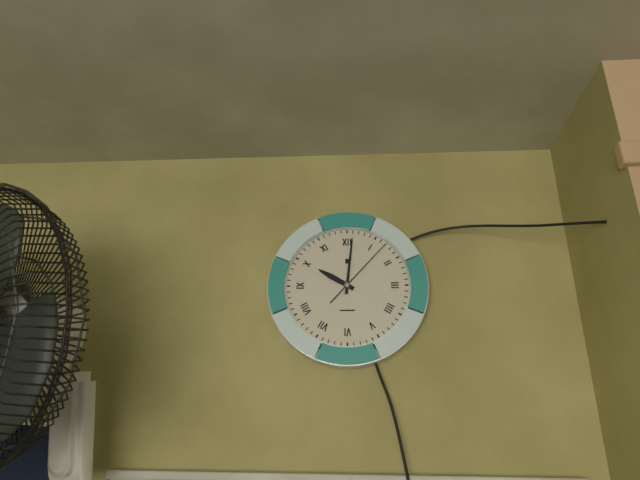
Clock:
10.01.07
